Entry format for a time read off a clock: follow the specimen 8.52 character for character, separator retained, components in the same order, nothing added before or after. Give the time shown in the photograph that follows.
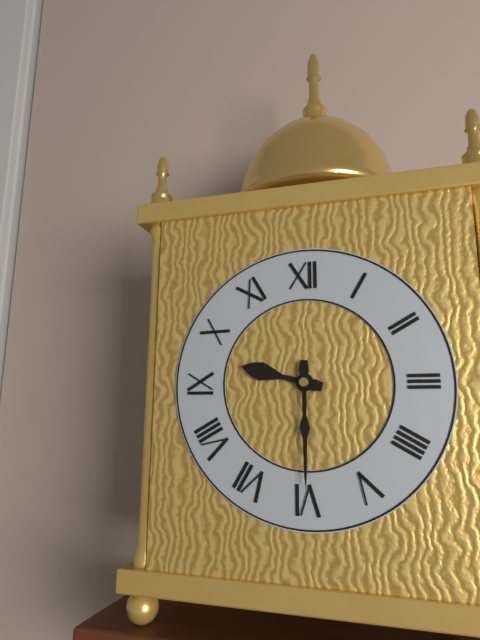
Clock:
9.30
